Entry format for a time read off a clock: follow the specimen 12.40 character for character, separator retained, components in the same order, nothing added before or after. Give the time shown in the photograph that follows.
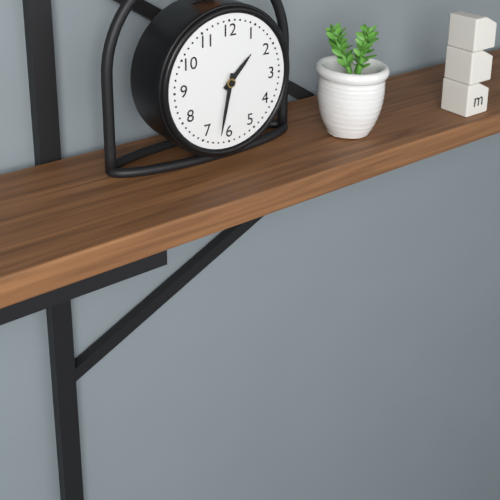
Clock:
1.32
